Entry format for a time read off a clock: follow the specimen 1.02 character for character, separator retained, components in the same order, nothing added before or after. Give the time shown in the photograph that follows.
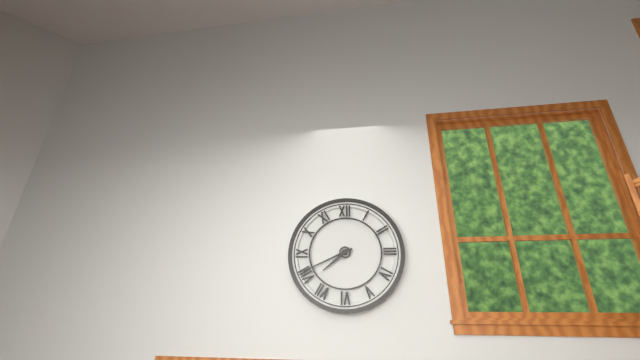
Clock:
7.41
